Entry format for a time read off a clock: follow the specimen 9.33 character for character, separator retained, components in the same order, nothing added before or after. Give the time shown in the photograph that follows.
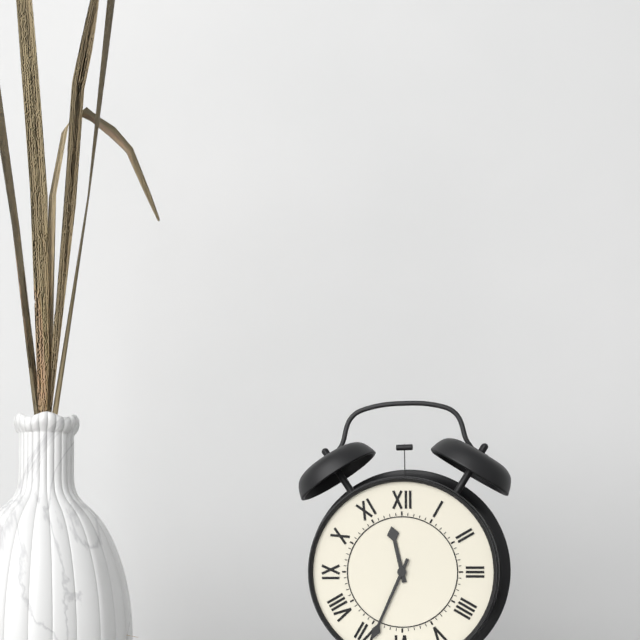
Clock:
11.34
